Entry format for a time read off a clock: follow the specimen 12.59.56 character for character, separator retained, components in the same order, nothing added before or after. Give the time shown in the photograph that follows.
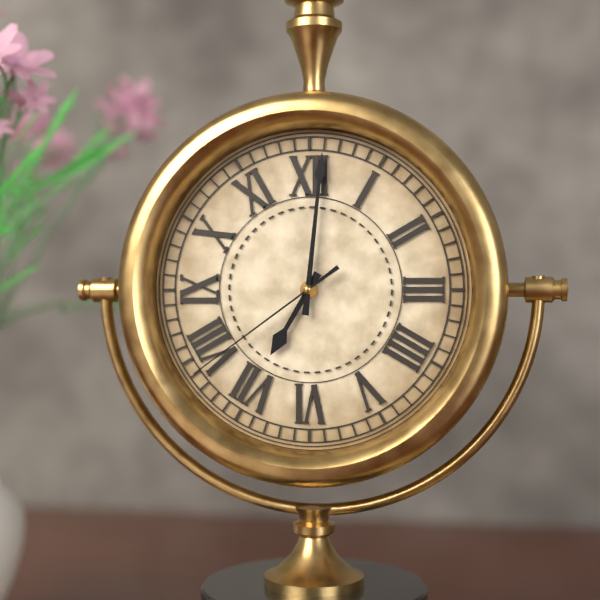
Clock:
7.01.39
